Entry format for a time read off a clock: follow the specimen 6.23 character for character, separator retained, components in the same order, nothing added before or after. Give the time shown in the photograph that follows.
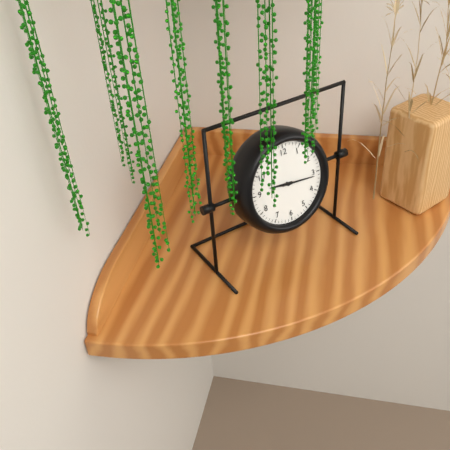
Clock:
9.16
